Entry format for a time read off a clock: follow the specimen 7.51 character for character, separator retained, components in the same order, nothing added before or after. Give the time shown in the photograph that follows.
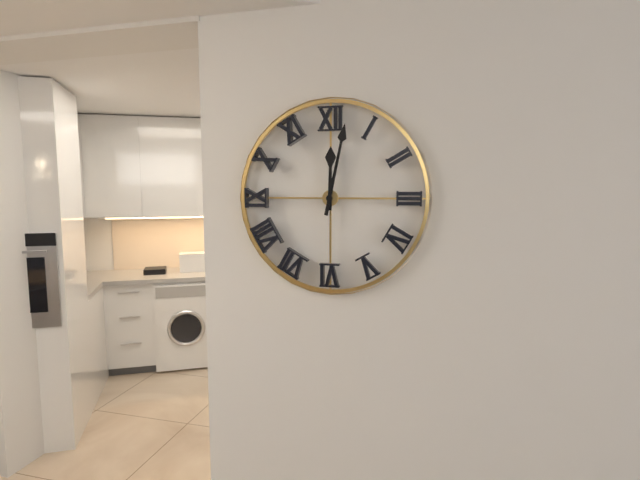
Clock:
12.02
